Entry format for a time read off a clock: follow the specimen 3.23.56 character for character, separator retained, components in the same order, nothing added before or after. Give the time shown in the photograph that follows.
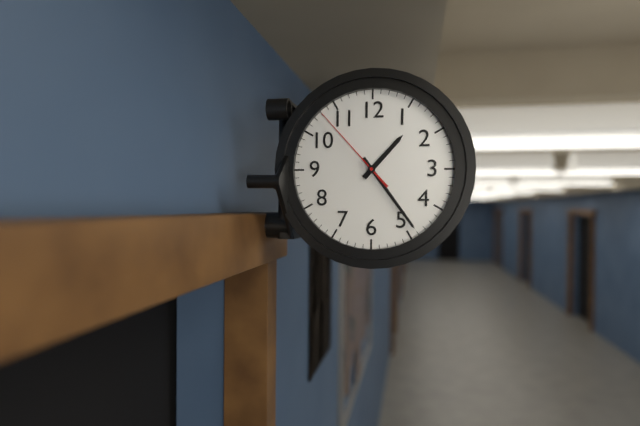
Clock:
1.24.53
